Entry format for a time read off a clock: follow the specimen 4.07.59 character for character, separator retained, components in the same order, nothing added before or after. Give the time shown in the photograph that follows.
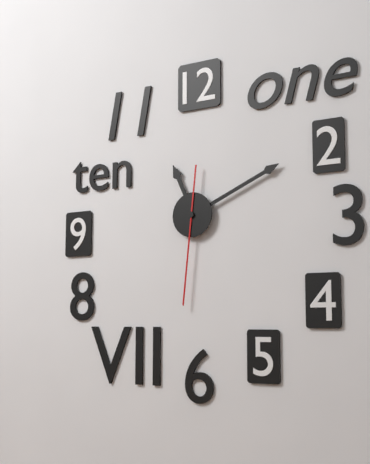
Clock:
11.11.31
